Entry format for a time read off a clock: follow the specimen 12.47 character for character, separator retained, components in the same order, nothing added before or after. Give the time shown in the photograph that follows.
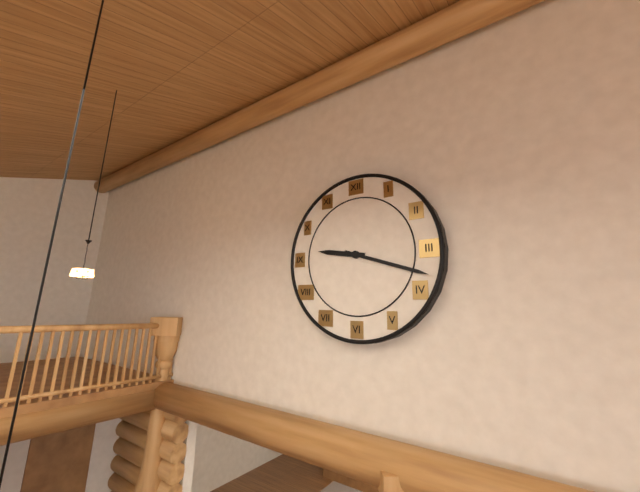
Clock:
9.18
